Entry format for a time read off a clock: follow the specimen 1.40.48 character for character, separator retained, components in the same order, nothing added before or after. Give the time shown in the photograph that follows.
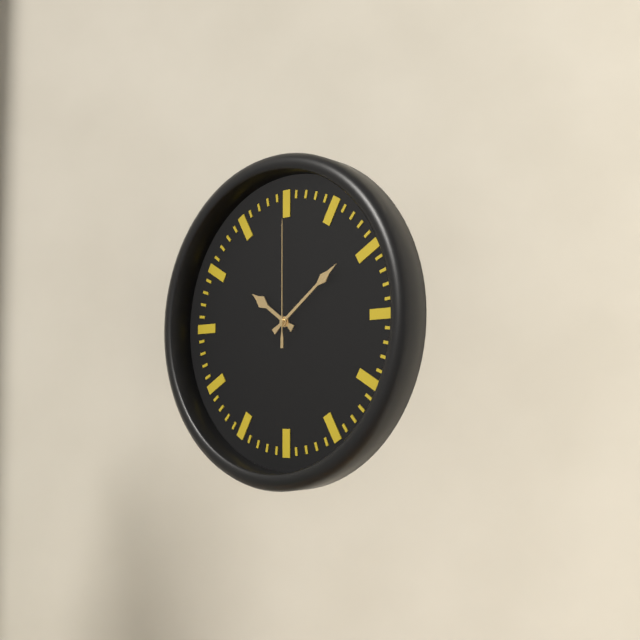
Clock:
10.09.00
